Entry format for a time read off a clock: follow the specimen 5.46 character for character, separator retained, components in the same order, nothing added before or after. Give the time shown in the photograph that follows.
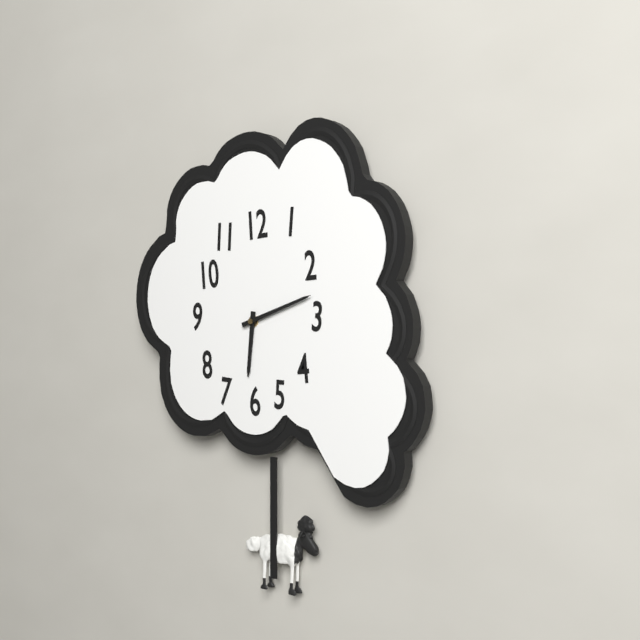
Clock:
6.12
